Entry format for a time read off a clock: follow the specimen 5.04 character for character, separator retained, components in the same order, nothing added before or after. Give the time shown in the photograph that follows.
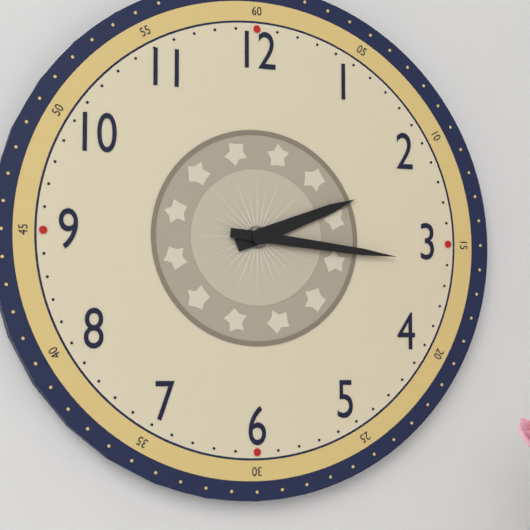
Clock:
2.16
